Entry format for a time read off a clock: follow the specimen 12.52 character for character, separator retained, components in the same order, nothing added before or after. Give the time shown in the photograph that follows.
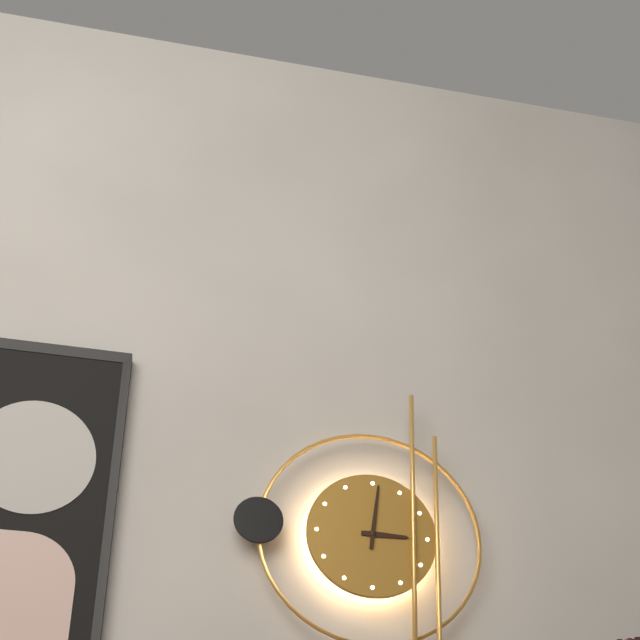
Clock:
3.01
